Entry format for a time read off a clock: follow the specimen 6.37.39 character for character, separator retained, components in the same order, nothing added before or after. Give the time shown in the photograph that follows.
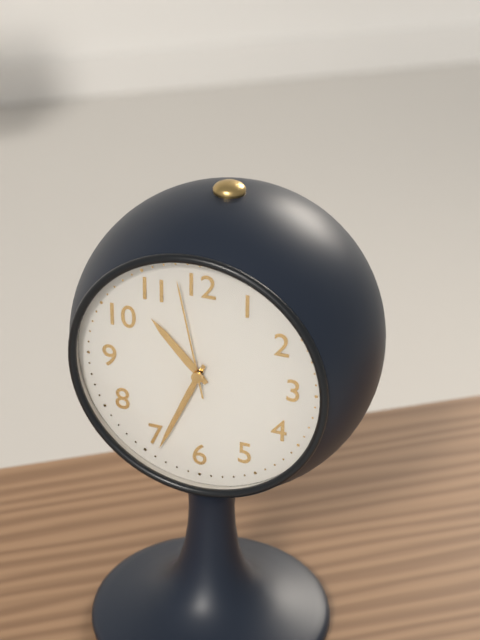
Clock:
10.34.58
